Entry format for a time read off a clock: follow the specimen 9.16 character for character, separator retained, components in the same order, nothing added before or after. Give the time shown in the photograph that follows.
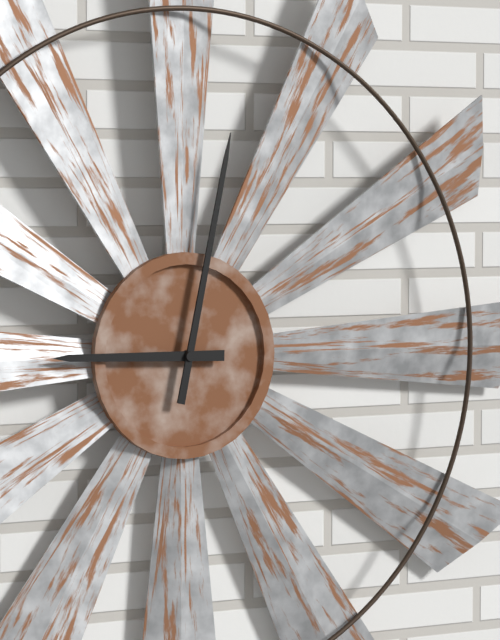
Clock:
9.02
